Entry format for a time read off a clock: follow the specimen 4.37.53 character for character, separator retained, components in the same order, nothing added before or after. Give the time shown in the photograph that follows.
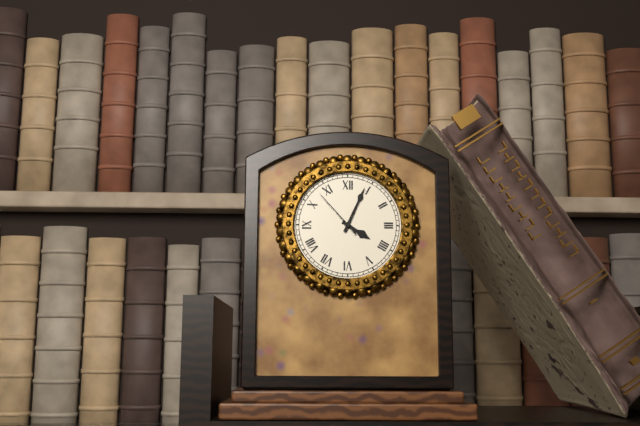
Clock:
4.04.53
